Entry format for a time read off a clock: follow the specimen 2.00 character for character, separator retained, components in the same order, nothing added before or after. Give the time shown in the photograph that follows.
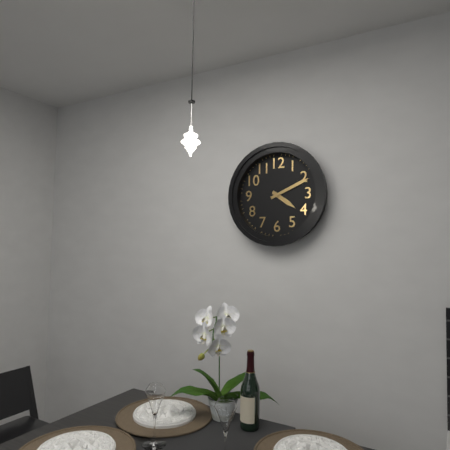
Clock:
4.11
